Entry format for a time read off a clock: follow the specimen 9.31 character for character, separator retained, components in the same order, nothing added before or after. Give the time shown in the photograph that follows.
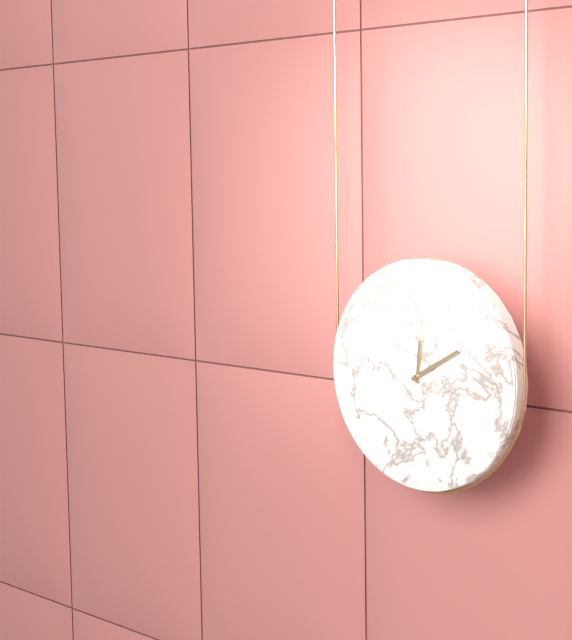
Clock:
12.10
